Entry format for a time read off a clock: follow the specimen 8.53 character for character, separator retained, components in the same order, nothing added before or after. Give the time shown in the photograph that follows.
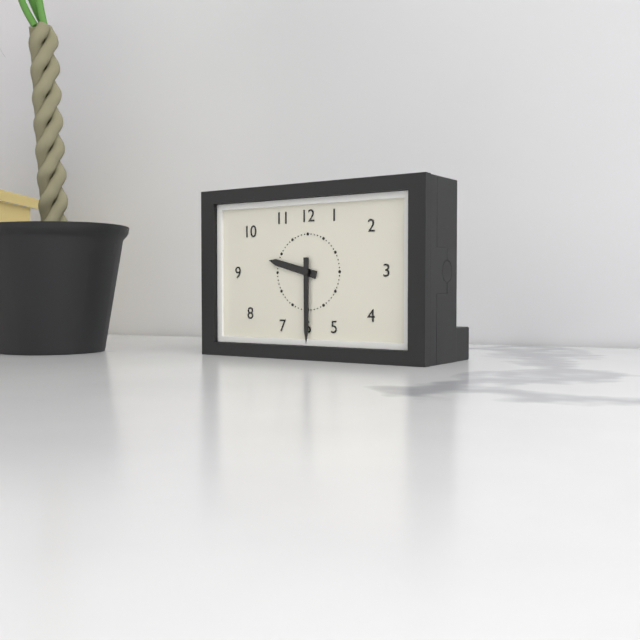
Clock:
9.30
